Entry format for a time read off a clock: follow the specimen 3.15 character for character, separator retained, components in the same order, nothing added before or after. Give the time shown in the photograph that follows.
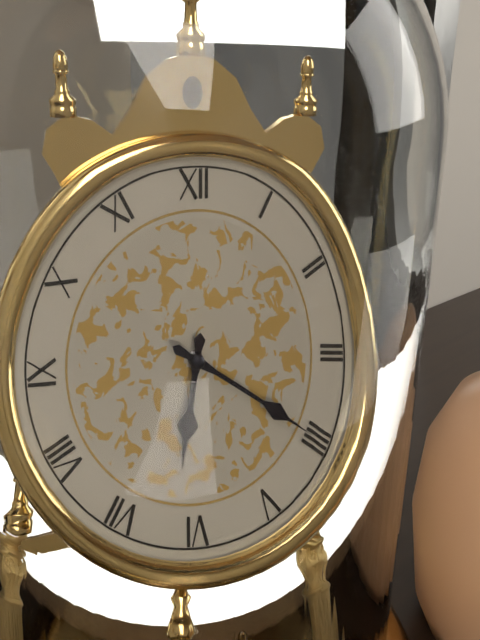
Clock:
6.20
